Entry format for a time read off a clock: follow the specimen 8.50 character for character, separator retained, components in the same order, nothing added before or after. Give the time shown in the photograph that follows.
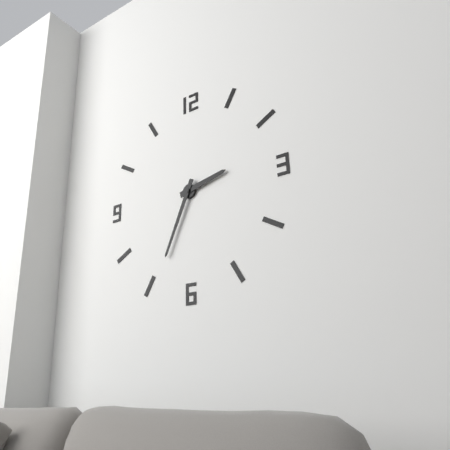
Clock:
2.34
